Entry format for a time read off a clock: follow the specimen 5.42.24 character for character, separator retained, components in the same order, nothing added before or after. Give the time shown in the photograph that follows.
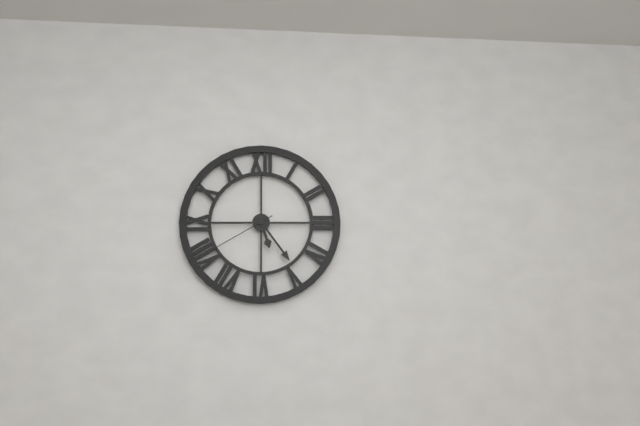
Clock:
5.24.40
